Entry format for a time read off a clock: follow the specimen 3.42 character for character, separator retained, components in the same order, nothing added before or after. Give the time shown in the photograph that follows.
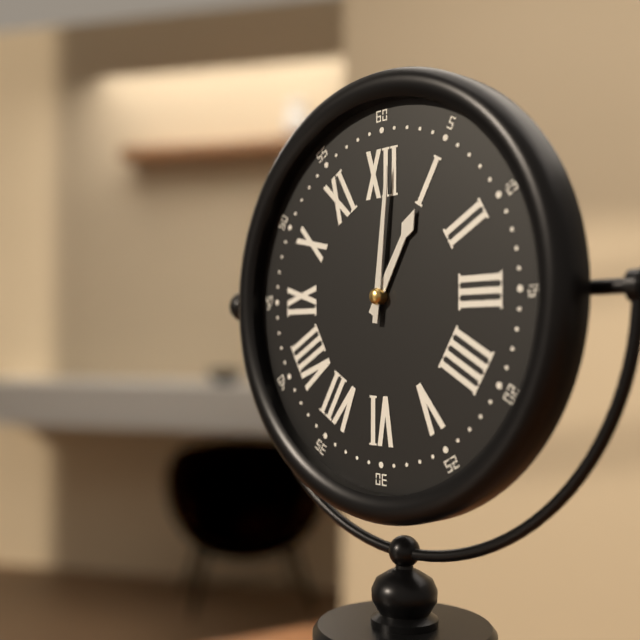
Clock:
1.01
